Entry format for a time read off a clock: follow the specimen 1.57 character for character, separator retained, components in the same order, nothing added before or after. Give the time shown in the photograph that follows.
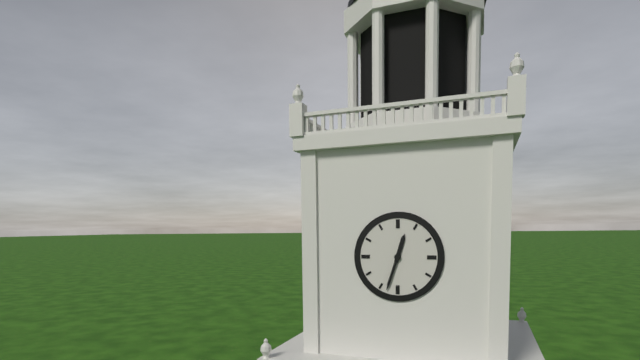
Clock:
12.33
